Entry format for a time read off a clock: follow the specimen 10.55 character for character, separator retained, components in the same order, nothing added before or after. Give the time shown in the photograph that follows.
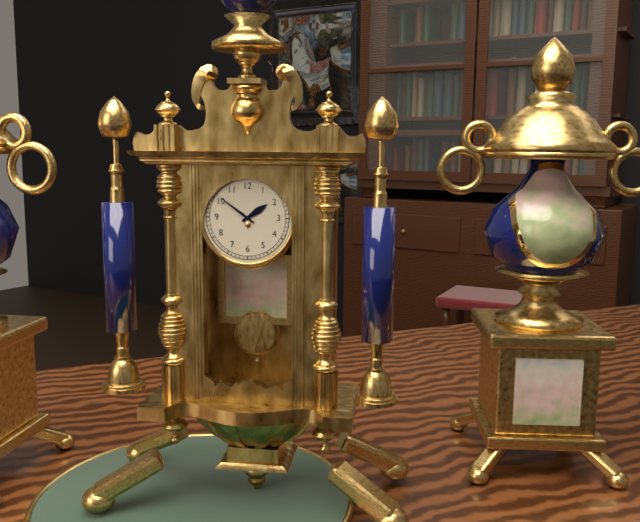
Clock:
1.51
